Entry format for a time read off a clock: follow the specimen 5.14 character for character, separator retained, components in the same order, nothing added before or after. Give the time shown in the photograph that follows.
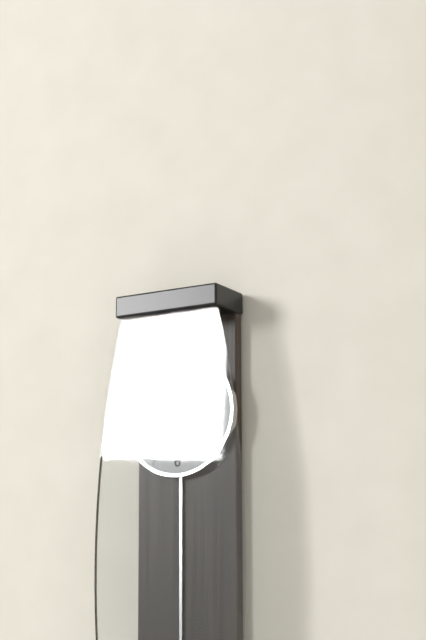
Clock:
12.24
